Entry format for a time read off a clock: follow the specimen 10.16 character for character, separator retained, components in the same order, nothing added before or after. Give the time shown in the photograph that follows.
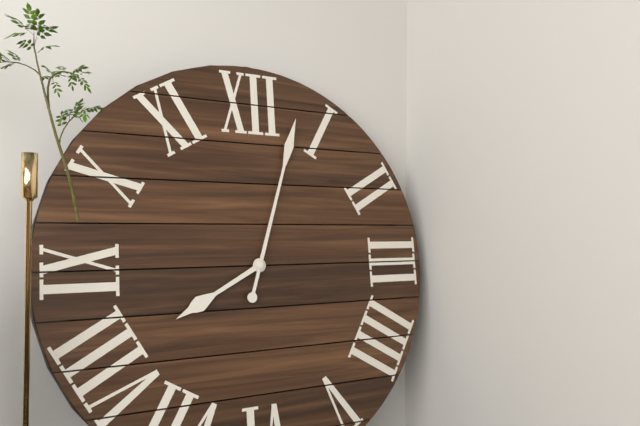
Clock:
8.03
